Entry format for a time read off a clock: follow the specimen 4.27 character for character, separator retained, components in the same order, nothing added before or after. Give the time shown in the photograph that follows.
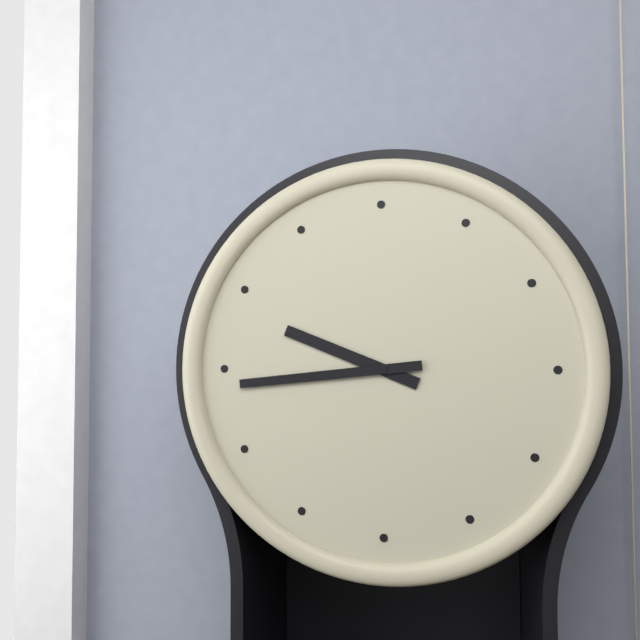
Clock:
9.44
